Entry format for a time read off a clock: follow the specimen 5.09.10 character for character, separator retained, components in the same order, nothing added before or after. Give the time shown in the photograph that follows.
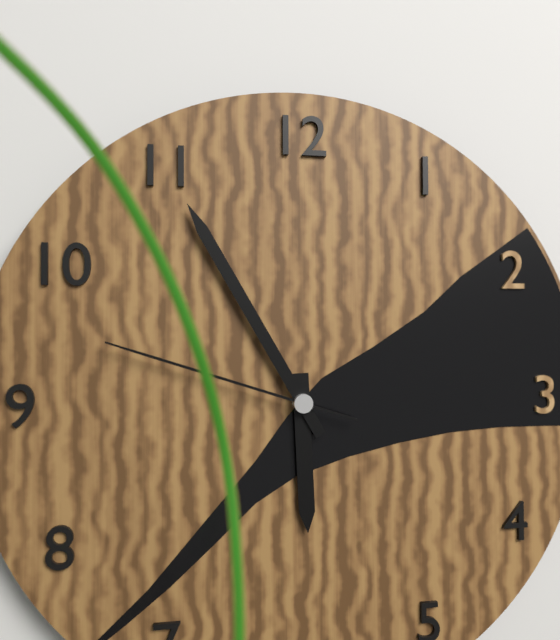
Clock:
5.55.48
